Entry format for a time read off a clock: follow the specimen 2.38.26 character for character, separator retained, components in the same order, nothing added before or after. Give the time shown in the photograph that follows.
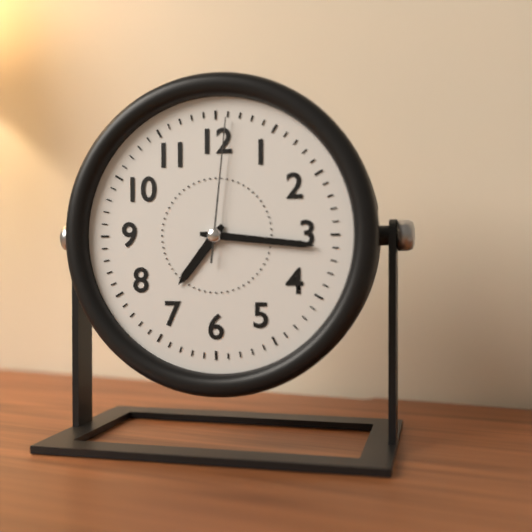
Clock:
7.16.01
